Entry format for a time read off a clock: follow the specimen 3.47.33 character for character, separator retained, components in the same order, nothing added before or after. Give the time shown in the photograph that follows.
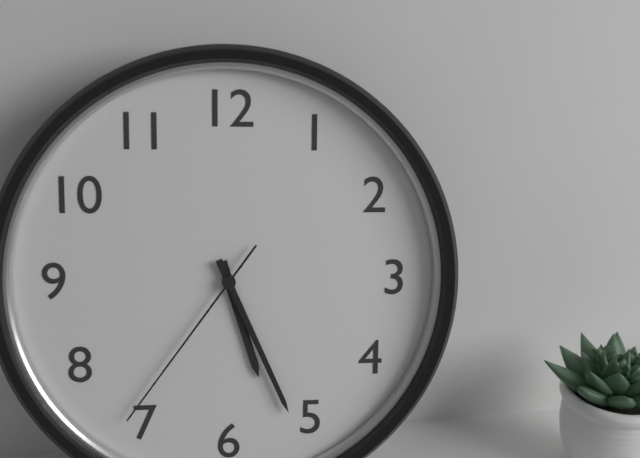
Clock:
5.26.36
